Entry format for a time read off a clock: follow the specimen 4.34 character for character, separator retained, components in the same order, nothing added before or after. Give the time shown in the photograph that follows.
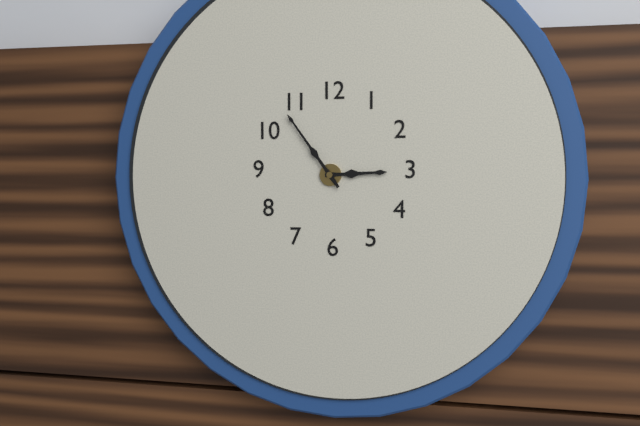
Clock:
2.54
